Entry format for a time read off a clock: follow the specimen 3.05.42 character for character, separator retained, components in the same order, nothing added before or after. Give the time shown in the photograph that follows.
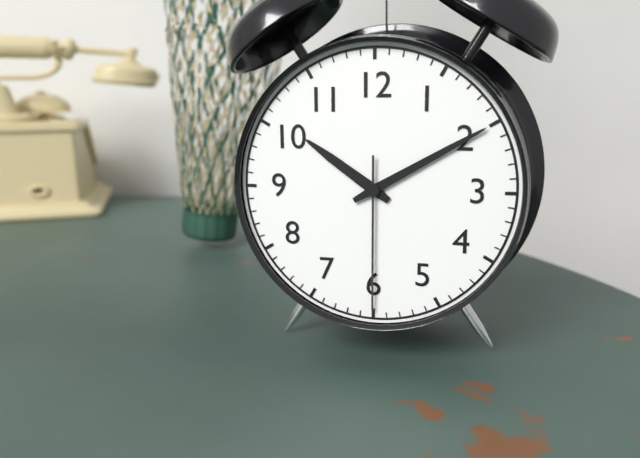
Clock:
10.10.30
